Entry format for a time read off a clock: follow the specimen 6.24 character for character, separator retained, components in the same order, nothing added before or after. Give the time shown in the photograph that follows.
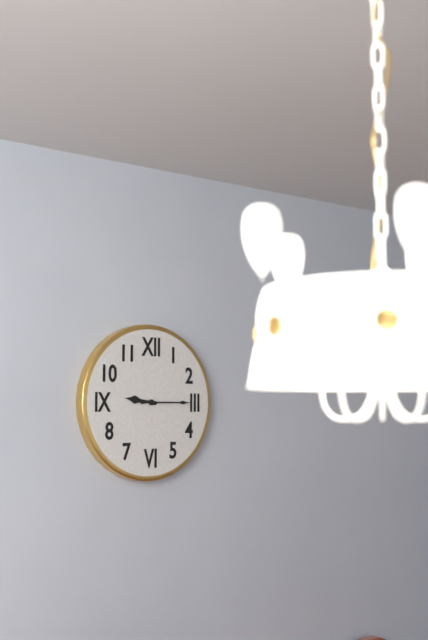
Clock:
9.15
